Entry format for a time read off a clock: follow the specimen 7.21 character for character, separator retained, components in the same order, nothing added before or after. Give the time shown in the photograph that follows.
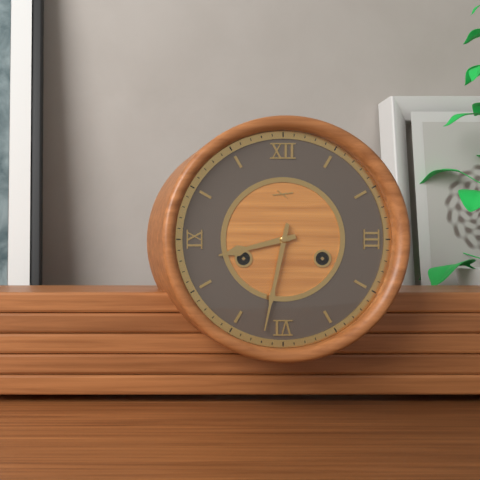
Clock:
8.32
